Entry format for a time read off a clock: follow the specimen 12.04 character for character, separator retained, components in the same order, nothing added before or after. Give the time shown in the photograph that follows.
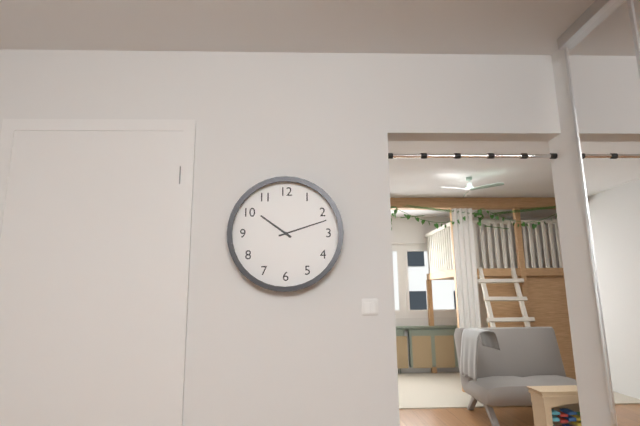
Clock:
10.12
